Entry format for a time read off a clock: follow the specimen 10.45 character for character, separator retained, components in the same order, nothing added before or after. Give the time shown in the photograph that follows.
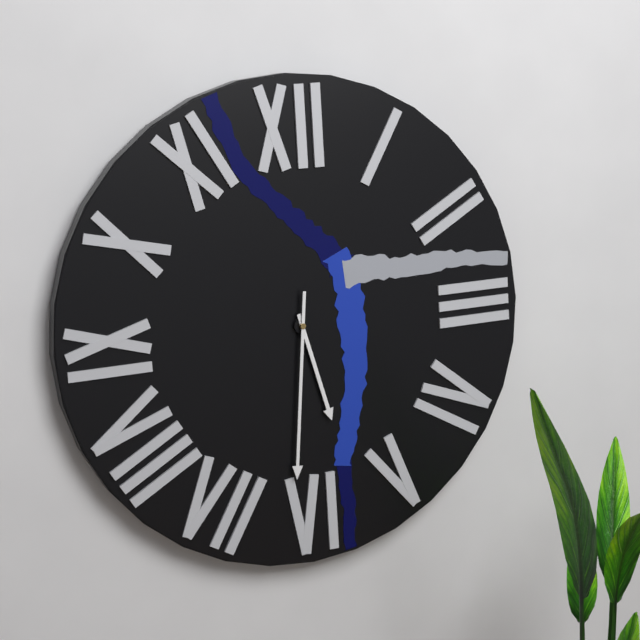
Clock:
5.31
